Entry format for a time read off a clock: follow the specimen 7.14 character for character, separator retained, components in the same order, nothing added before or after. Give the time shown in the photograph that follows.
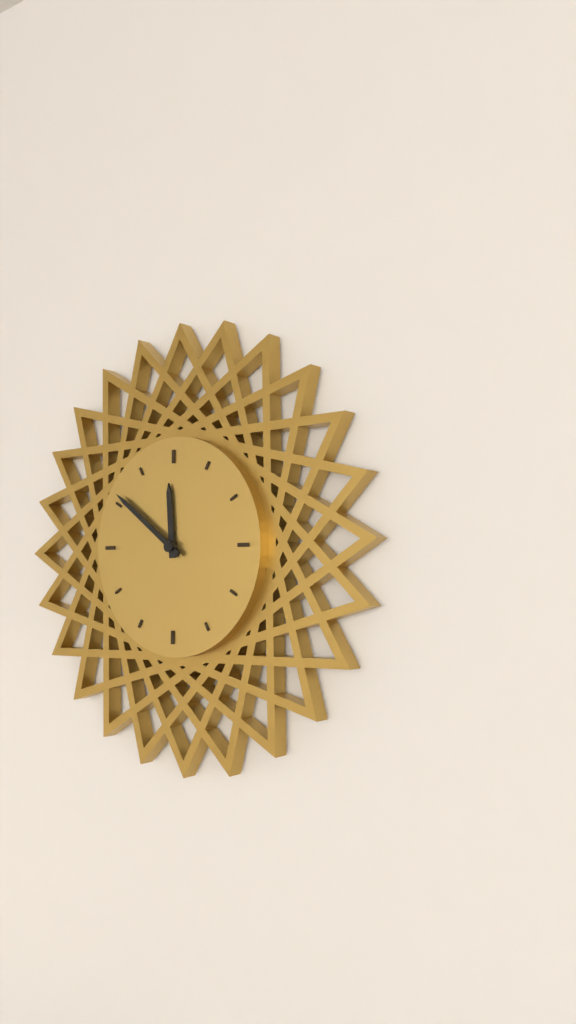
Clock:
11.51
